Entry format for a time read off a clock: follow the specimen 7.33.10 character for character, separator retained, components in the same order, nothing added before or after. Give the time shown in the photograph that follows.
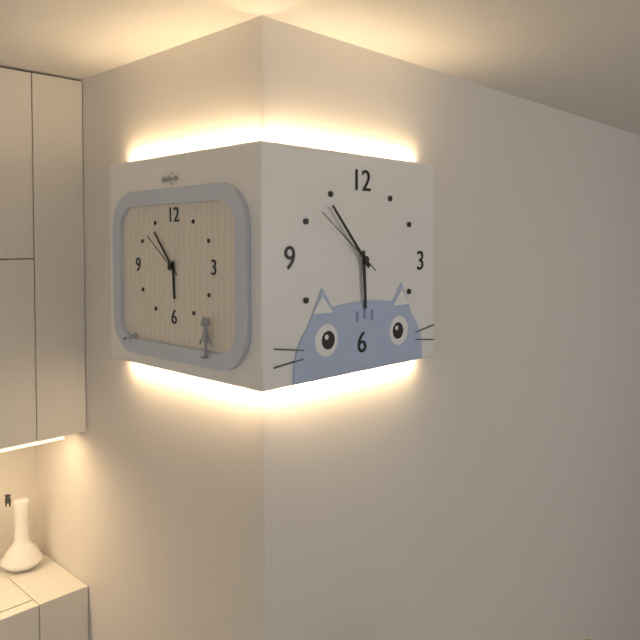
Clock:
5.53.51
